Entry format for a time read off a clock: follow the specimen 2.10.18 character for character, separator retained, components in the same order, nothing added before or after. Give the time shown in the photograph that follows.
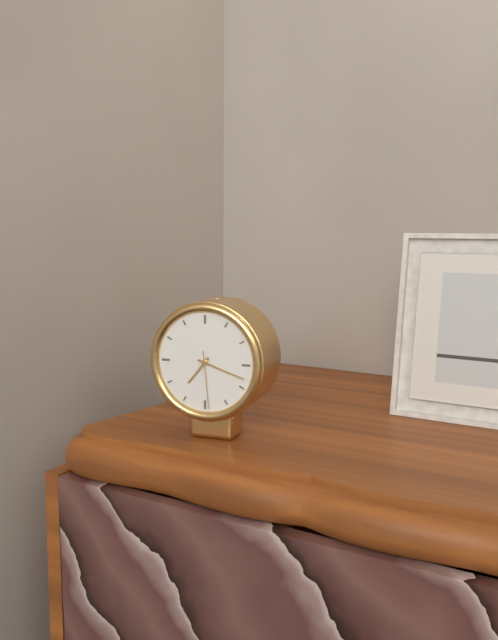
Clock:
7.18.29
